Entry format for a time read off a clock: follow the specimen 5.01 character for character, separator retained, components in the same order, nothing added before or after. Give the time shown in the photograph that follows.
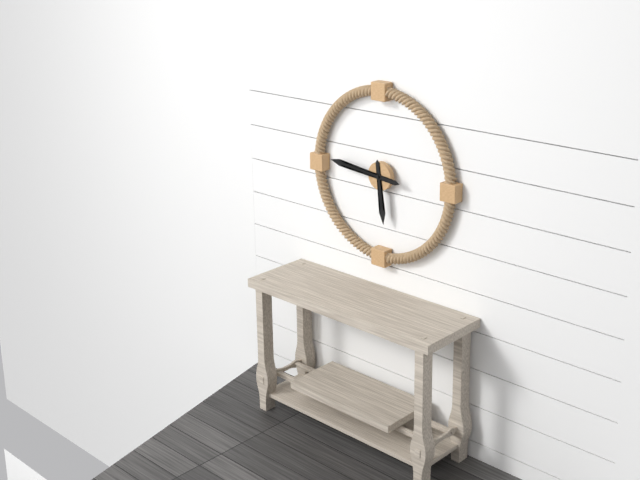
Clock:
5.46
